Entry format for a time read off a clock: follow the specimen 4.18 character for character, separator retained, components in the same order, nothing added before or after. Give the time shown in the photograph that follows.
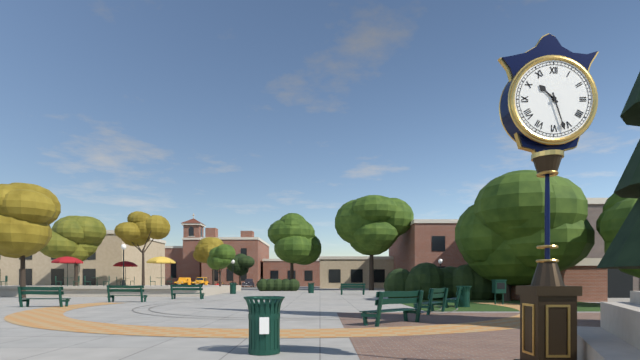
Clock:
10.27
